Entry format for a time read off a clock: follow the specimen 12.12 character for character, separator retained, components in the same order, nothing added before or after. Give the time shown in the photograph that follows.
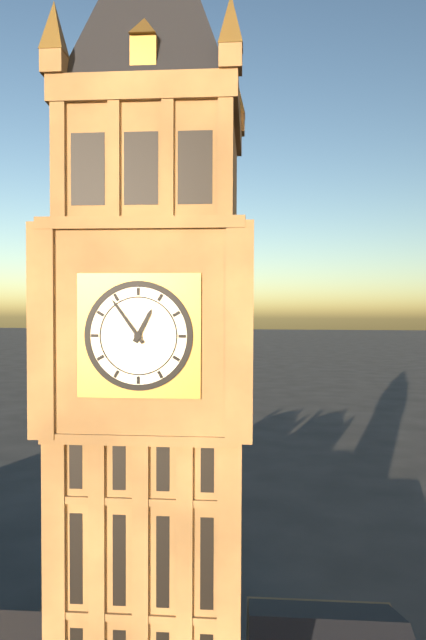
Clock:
12.54
